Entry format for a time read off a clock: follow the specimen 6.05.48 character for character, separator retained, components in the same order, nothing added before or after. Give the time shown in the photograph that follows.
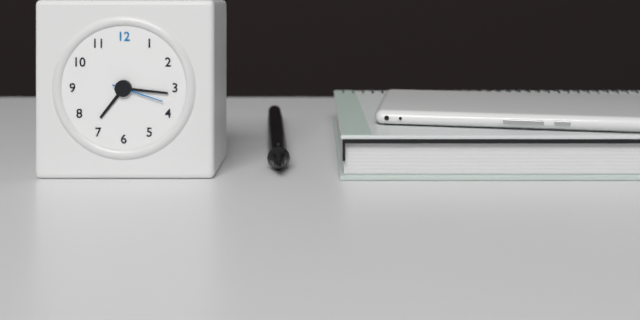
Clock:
7.16.18
